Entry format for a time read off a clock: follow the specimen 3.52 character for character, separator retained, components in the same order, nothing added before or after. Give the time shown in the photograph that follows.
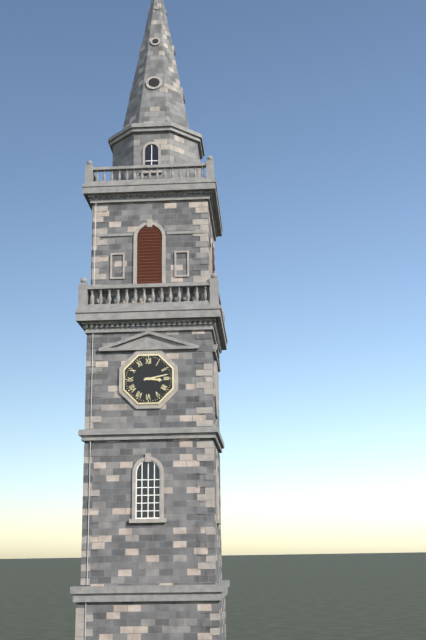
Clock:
3.13
